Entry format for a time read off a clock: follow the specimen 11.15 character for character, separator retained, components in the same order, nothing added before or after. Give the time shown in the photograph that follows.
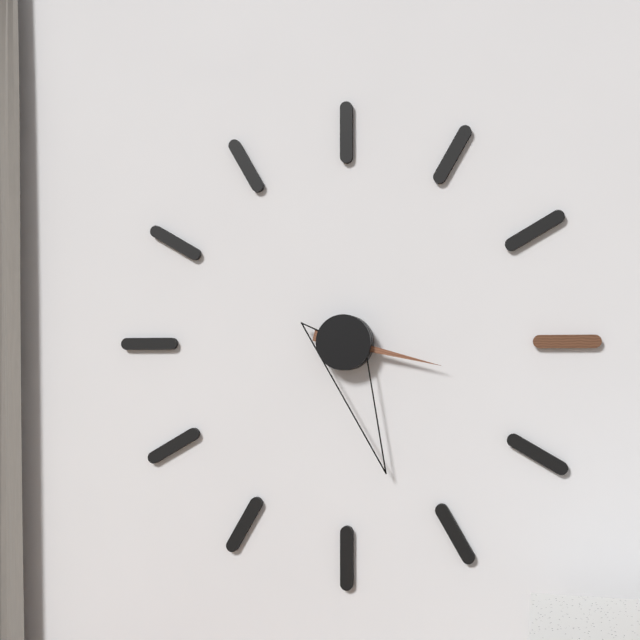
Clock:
3.27
